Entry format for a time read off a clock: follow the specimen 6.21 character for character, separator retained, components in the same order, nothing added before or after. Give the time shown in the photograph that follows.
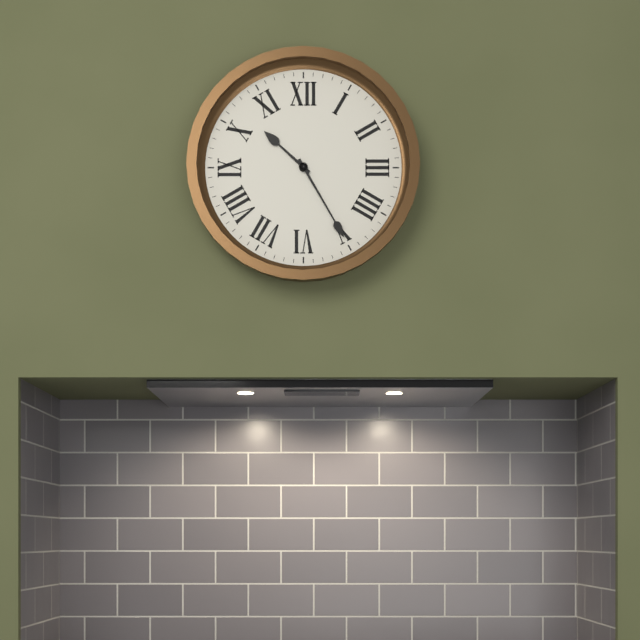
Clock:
10.25
